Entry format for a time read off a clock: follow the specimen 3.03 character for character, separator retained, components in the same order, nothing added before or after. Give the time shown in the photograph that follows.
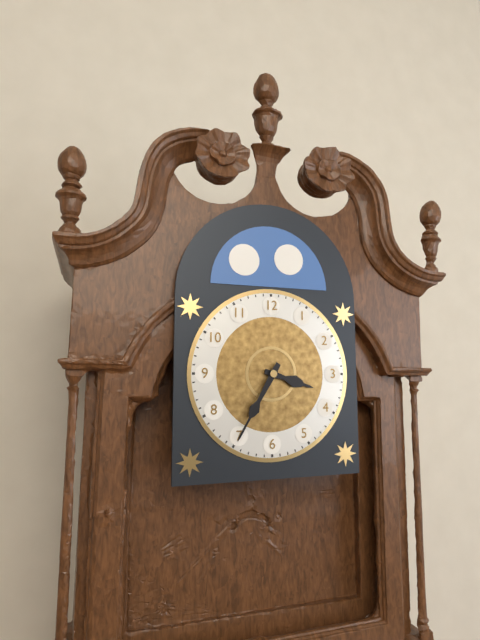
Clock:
3.35
